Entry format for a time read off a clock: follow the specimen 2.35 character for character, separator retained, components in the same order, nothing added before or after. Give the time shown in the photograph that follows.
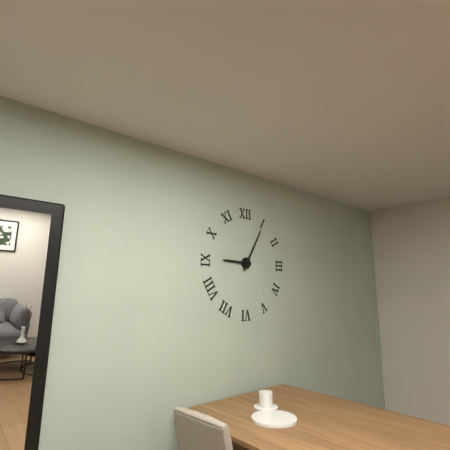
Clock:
9.05
